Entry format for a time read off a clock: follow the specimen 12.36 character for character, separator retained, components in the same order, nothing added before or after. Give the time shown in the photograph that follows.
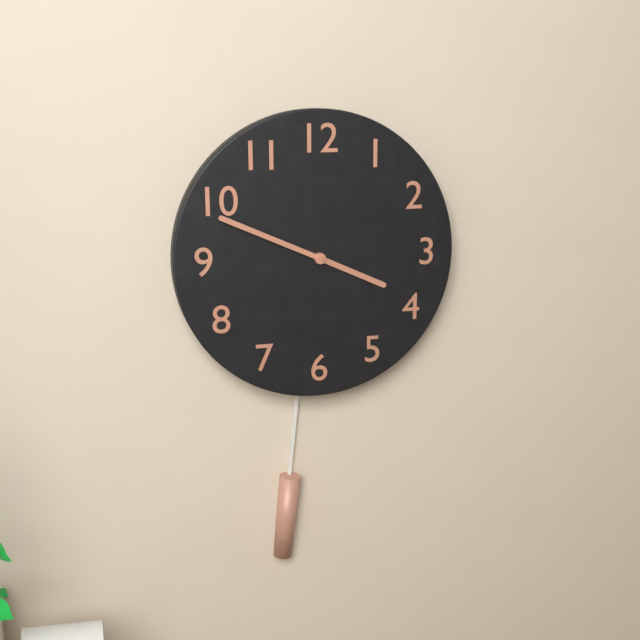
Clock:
3.49
